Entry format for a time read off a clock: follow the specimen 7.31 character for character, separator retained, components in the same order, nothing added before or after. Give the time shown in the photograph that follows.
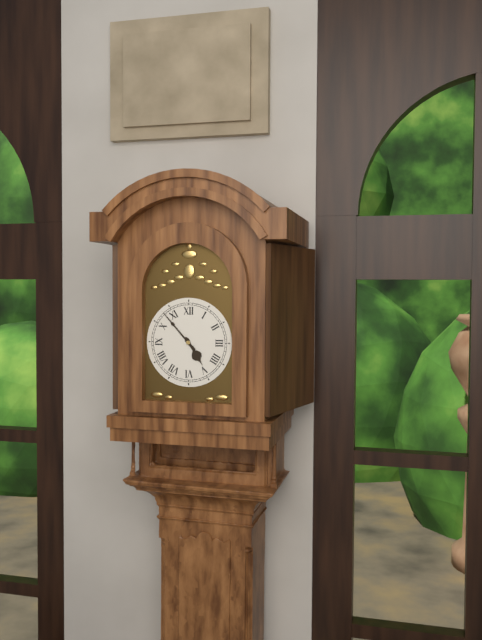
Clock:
4.53
